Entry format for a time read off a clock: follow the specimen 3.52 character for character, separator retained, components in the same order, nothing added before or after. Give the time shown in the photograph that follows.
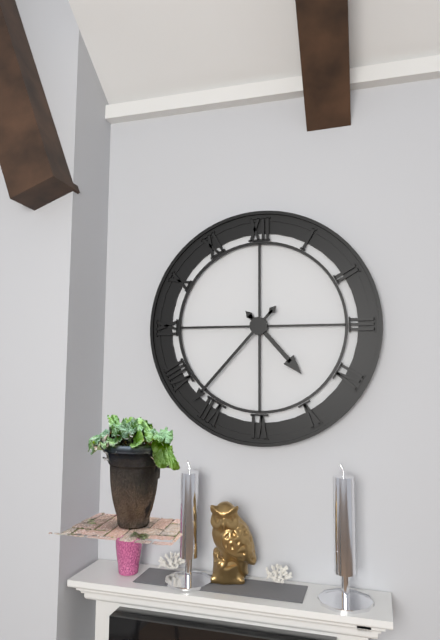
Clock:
4.37
